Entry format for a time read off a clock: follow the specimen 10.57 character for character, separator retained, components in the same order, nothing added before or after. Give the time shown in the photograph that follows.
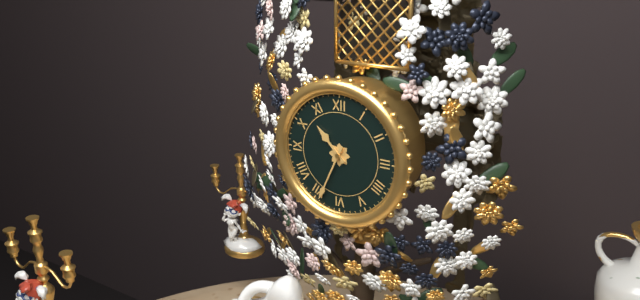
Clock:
10.34
